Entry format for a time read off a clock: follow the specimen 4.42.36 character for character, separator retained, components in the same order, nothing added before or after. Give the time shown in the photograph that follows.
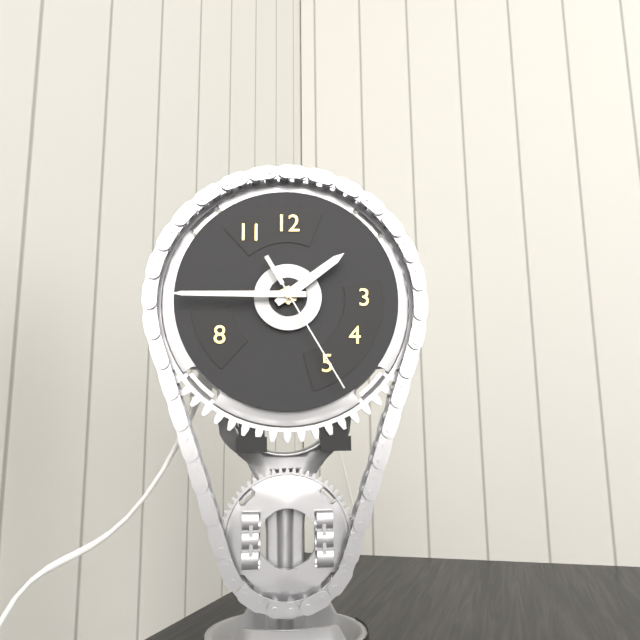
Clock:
1.45.25
